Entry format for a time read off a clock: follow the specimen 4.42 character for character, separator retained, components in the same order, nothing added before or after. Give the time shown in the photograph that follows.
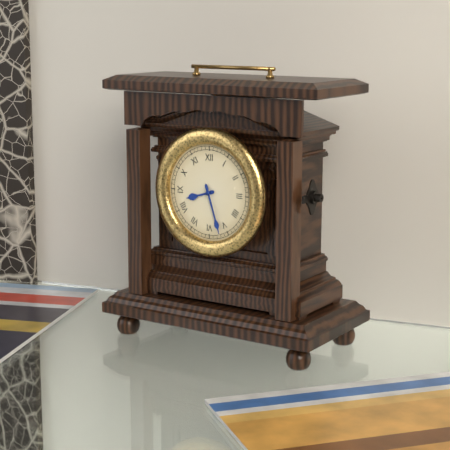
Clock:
8.27
